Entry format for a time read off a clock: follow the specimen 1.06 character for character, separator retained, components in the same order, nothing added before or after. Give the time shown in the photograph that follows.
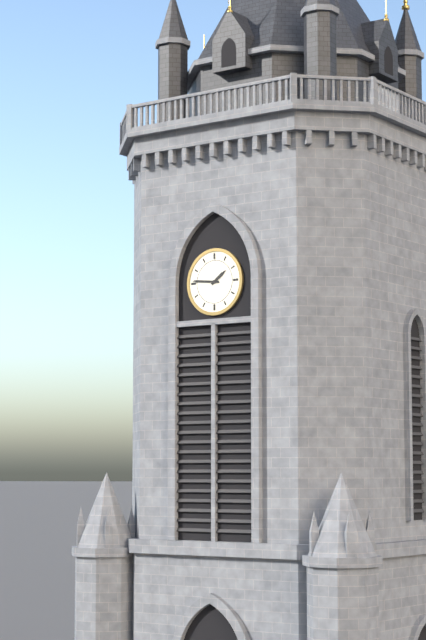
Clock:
1.46
